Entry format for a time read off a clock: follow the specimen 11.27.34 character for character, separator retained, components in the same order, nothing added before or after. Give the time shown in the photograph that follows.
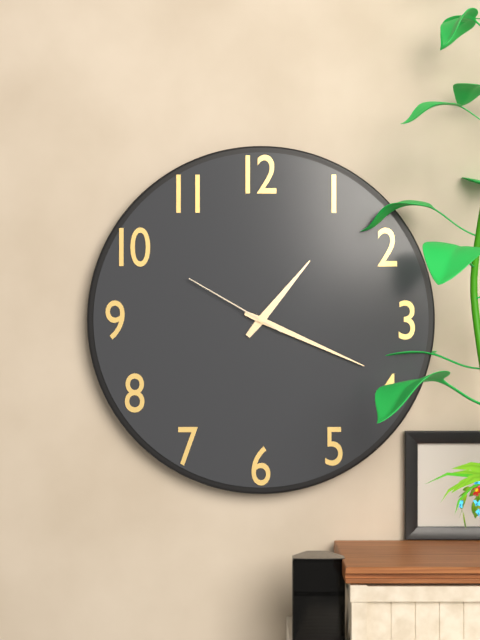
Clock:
1.19.50
